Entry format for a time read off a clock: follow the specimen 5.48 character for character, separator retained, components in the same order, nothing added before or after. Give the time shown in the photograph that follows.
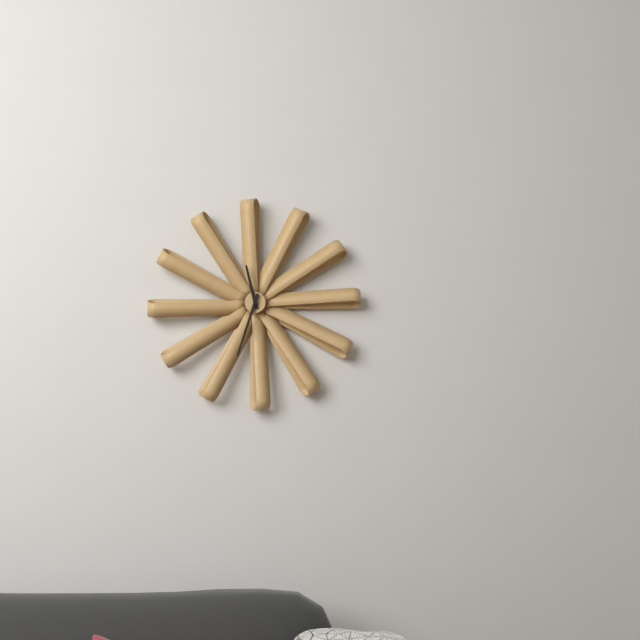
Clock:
11.33
